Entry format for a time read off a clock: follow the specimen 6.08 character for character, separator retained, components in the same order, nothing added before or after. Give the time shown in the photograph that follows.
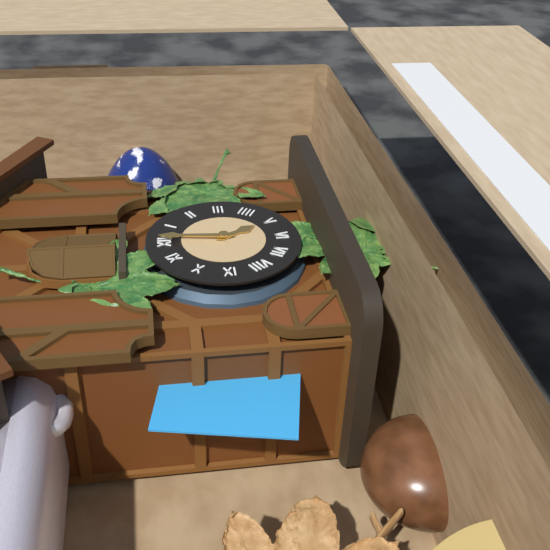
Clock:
5.01
